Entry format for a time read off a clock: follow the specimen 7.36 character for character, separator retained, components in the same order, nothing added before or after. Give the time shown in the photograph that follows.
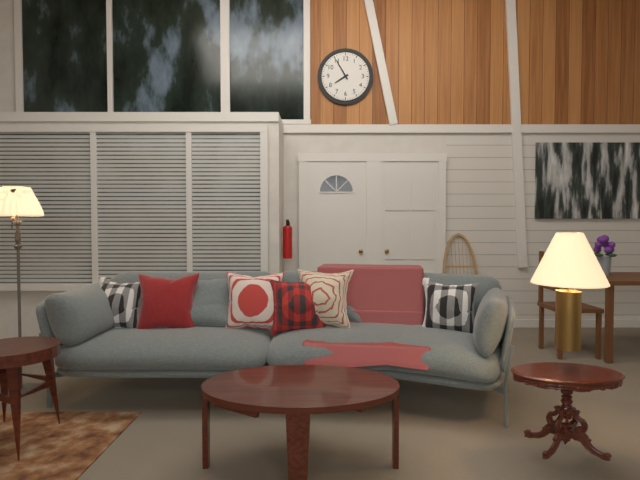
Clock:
7.55
